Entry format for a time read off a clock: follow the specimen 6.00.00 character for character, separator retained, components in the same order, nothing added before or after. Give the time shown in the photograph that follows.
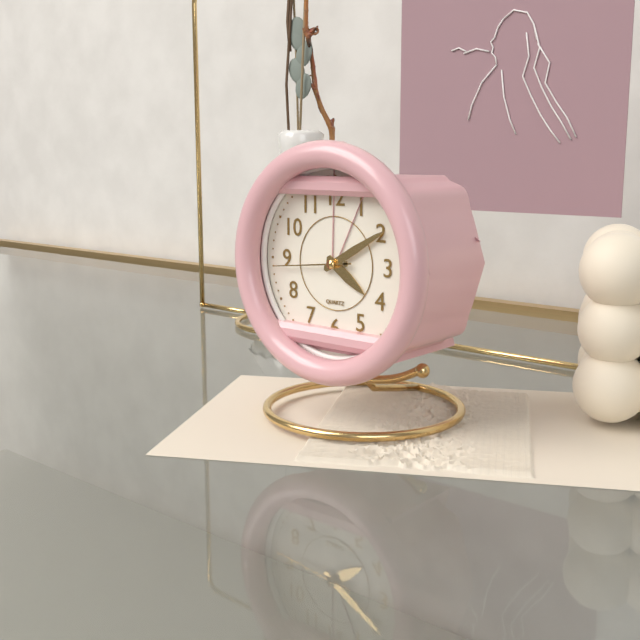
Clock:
4.10.44
